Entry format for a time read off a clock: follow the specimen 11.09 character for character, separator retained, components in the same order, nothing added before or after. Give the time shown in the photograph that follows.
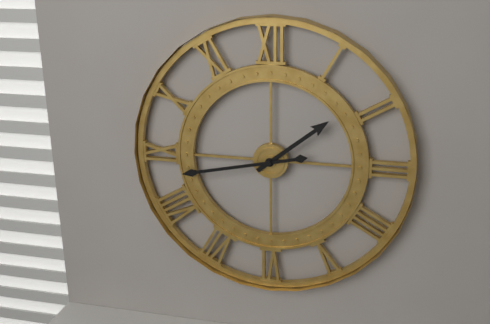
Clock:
1.43
